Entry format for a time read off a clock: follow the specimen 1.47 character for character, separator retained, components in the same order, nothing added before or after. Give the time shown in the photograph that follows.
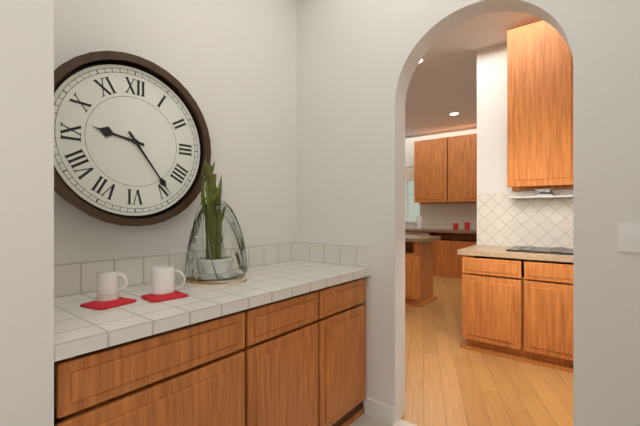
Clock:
9.24
